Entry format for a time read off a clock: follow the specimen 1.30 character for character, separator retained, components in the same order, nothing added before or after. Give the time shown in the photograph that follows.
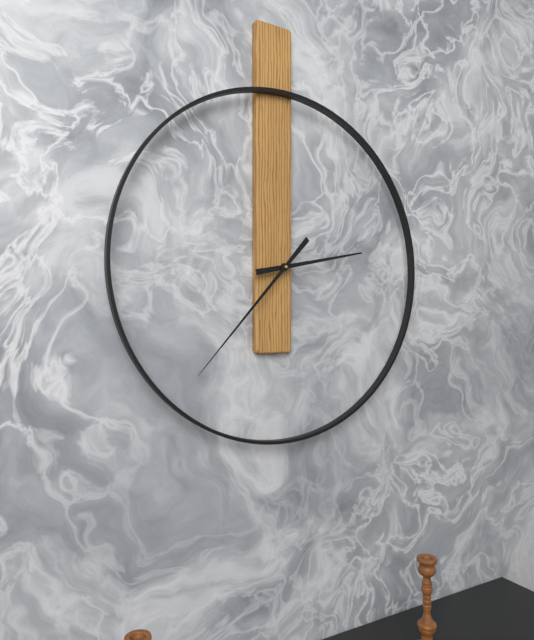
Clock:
2.37
